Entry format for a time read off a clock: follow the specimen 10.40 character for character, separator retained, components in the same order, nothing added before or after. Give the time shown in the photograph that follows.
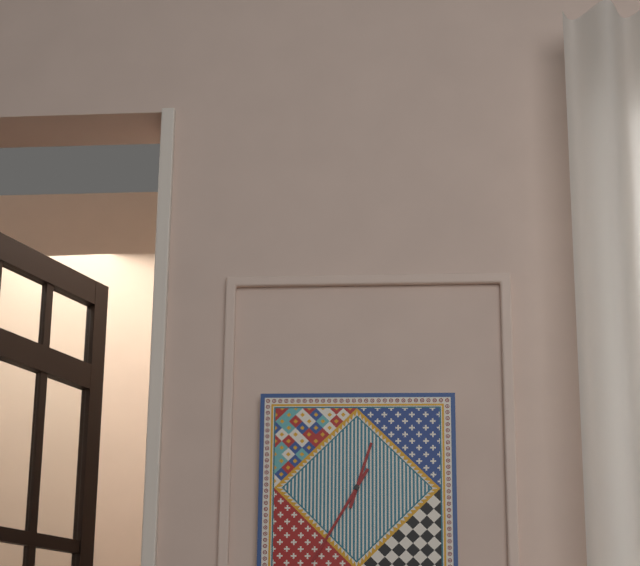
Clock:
12.35
